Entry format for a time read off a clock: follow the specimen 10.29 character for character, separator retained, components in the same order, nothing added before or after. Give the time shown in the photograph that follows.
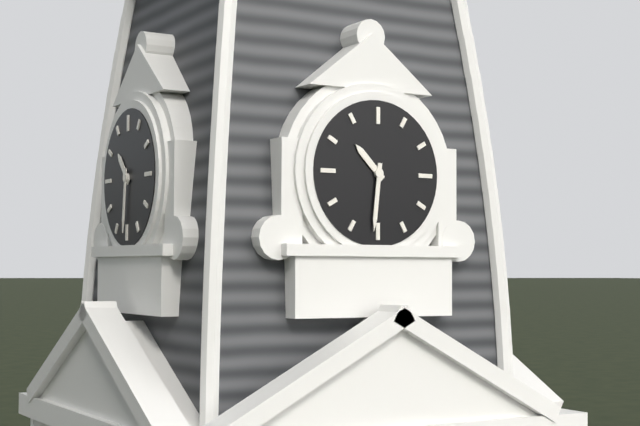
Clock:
10.31
